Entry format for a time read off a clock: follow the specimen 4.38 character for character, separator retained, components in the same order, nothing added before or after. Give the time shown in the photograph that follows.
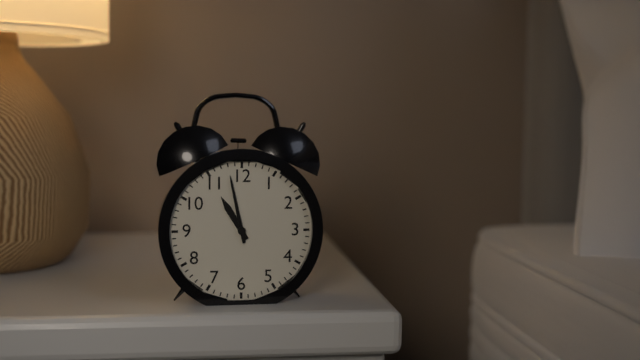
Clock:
10.58
